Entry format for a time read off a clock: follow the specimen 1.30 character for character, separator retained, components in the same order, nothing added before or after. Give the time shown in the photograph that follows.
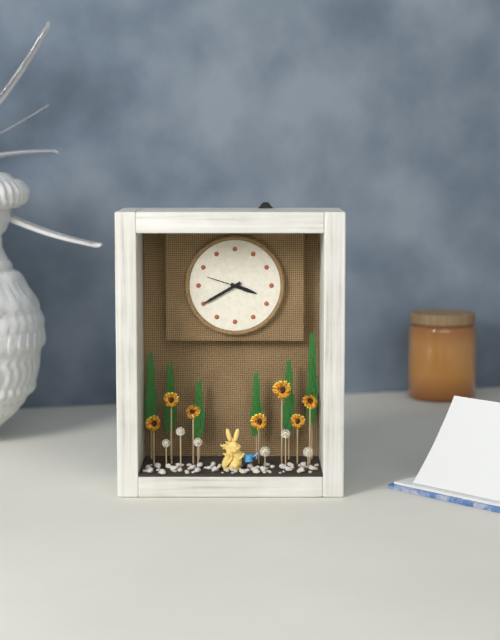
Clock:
3.40
